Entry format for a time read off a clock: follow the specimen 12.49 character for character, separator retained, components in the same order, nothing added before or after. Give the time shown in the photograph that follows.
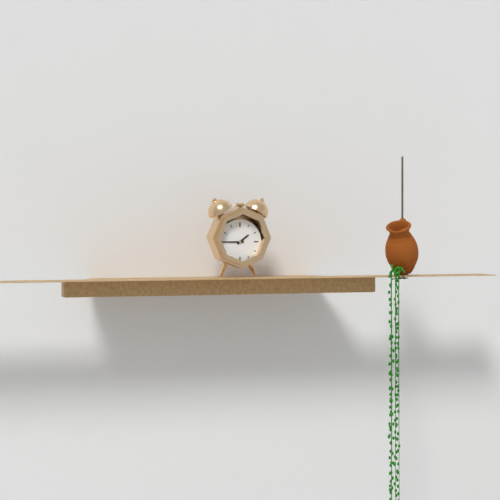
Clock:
1.45
